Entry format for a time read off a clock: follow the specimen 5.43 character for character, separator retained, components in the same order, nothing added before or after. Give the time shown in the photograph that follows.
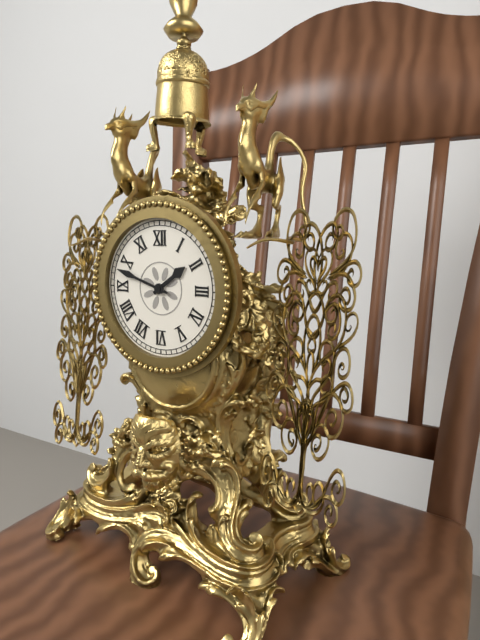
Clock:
1.48
